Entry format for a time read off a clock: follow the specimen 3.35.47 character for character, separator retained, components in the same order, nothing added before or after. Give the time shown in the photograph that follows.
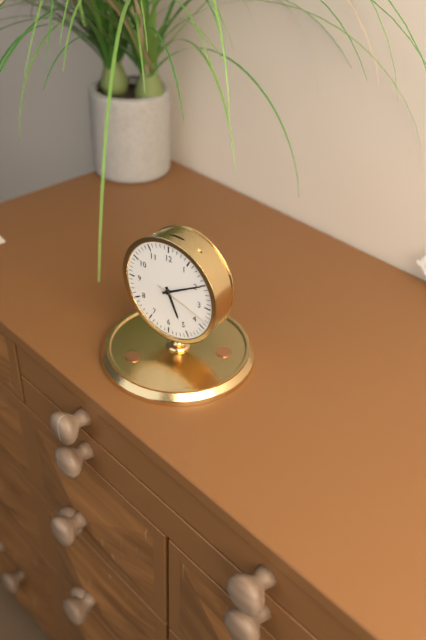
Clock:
5.10.18
